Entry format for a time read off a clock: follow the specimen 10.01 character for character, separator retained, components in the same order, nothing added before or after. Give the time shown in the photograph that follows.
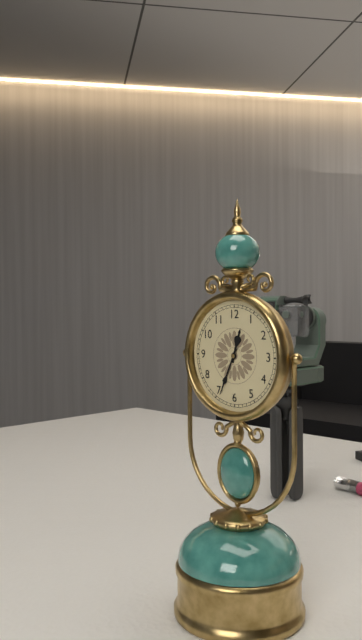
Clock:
12.34
